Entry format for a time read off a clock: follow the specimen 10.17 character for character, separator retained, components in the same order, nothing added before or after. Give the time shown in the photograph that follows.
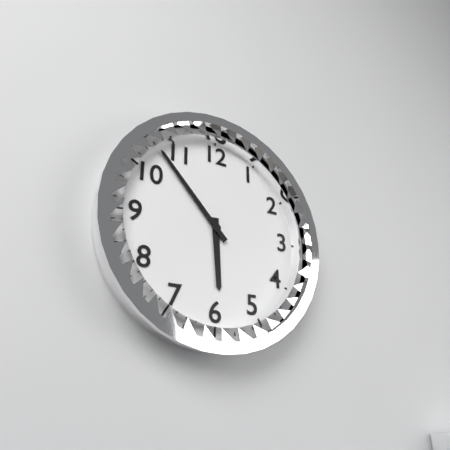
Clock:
5.53
